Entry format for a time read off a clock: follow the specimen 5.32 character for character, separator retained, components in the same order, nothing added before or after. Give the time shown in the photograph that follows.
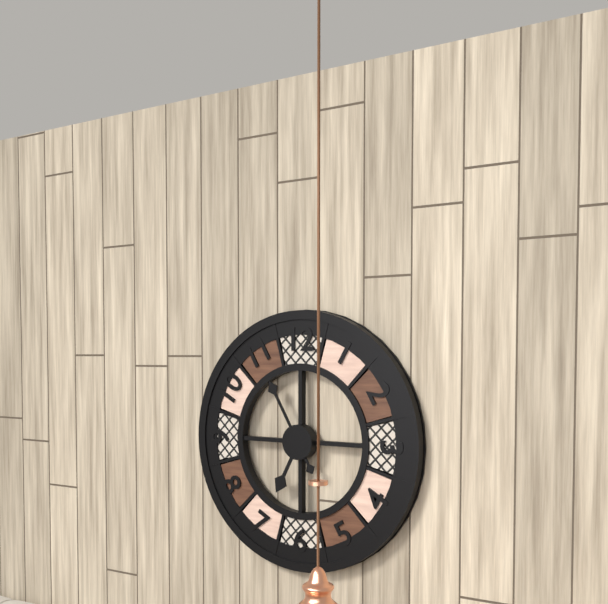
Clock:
6.55
